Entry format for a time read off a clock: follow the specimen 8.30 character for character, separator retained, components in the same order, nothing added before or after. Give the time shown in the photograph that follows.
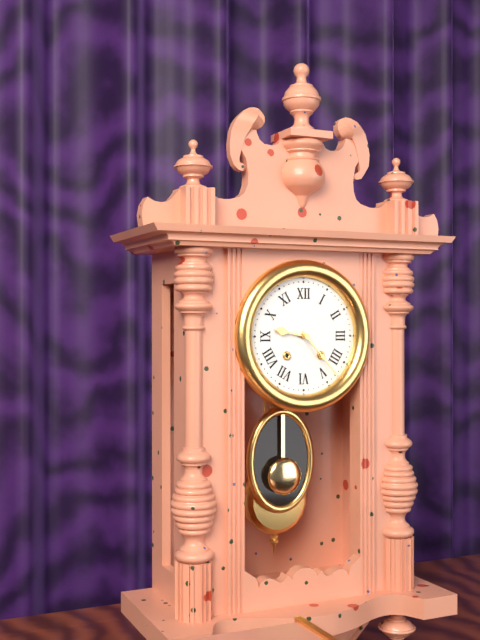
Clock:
9.23
